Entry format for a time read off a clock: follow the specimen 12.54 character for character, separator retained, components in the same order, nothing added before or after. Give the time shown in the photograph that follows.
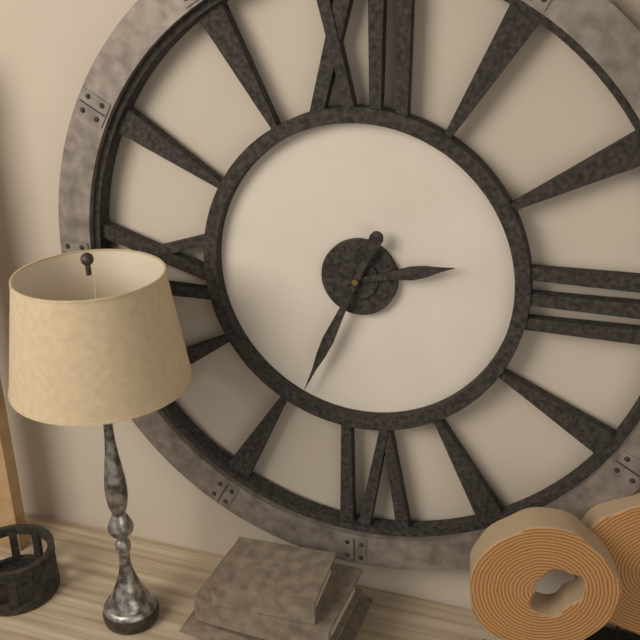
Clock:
2.34
